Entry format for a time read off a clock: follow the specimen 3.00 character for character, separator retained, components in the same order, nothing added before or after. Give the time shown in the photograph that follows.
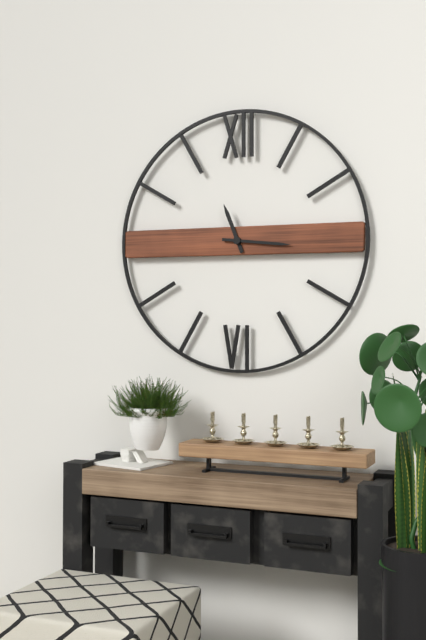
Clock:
11.16
